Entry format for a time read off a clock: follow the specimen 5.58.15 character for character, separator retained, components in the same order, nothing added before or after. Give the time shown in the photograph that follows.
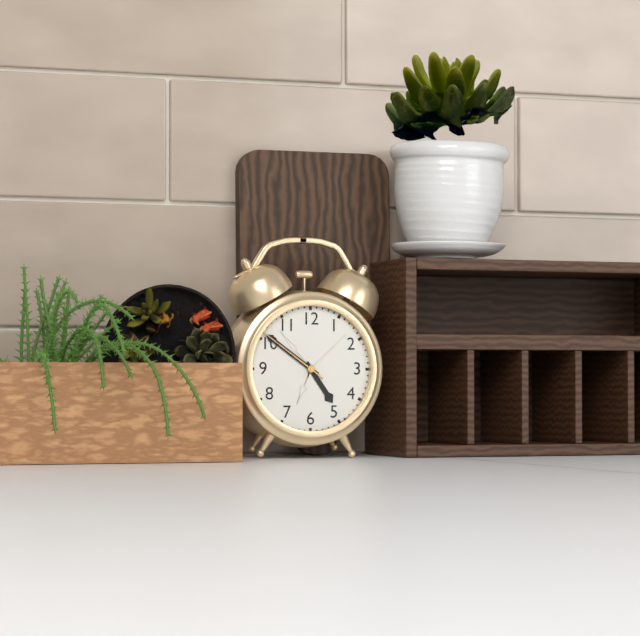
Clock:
4.51.51
